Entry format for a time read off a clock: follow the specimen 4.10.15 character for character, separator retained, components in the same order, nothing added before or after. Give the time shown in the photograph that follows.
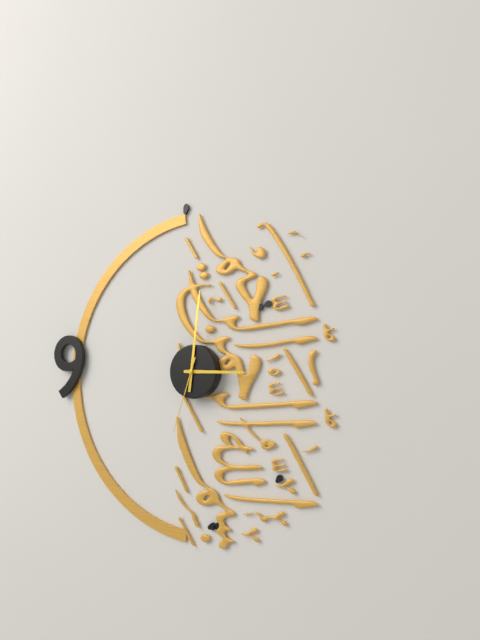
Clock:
3.01.33
